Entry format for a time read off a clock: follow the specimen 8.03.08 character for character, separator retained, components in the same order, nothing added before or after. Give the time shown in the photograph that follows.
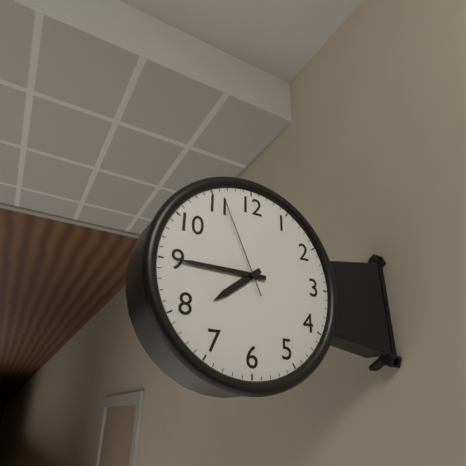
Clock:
7.45.56
